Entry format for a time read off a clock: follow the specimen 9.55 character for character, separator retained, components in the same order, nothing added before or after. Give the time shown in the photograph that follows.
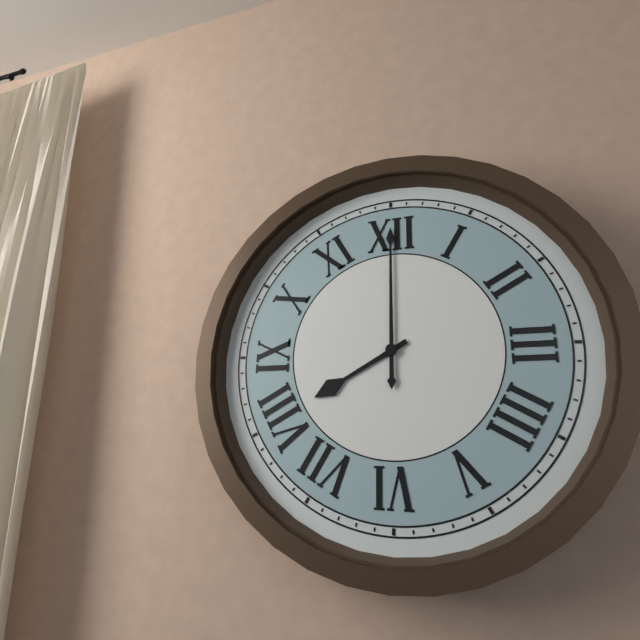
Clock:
8.00
